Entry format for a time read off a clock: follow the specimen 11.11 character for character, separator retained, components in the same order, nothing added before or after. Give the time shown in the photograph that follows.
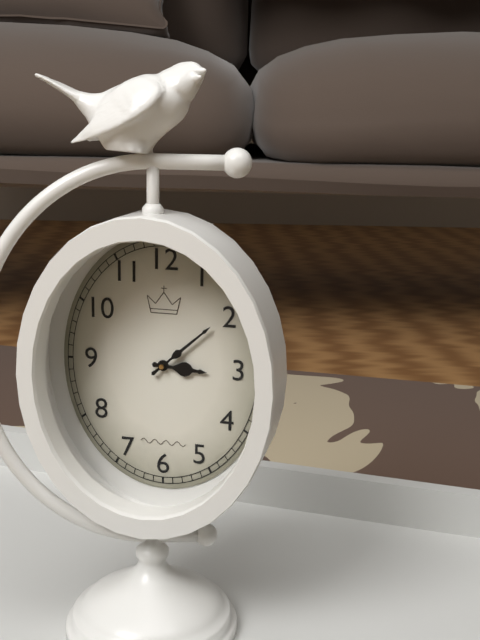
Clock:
3.08
